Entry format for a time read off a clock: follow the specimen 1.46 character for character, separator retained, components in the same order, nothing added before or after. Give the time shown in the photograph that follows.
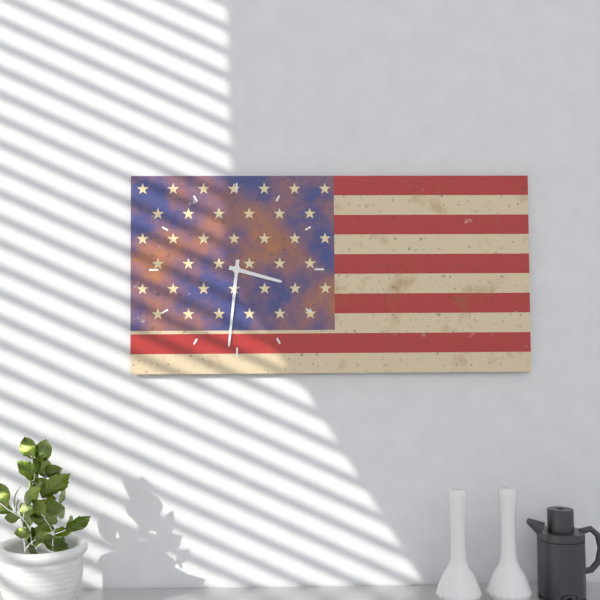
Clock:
3.31
